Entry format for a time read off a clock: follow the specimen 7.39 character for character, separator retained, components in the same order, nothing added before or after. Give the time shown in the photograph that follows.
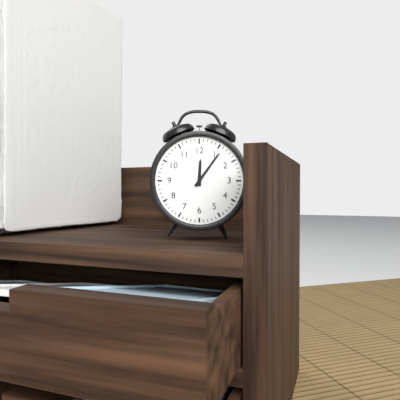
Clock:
12.06
